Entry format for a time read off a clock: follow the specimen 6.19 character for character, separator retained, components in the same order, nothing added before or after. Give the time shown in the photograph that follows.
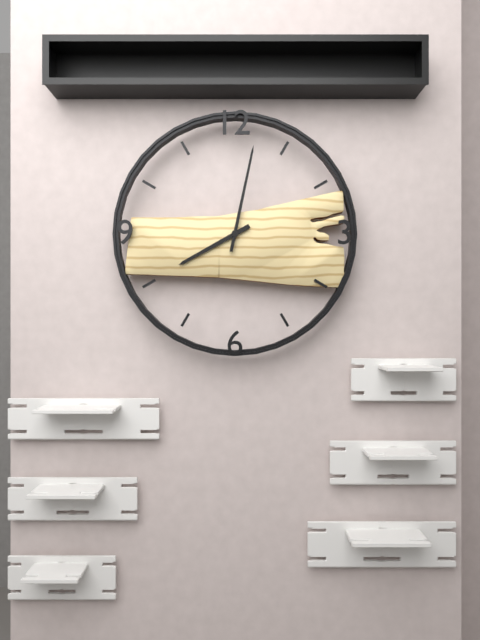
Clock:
8.02
